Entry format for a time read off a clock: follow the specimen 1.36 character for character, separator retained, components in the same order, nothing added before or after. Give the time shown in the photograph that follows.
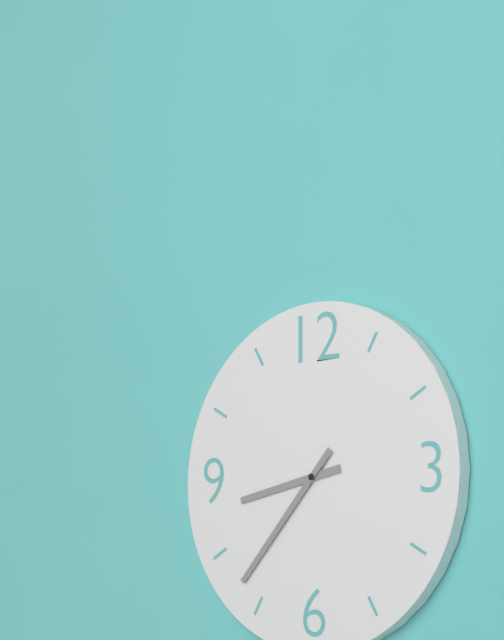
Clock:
8.37
